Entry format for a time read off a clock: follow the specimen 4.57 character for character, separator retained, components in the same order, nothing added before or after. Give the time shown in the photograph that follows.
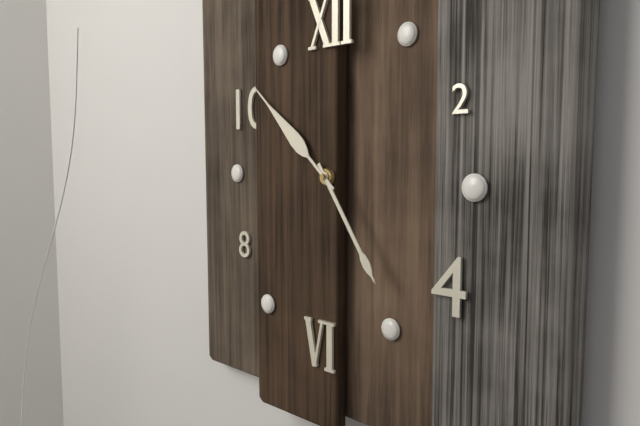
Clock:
4.52
